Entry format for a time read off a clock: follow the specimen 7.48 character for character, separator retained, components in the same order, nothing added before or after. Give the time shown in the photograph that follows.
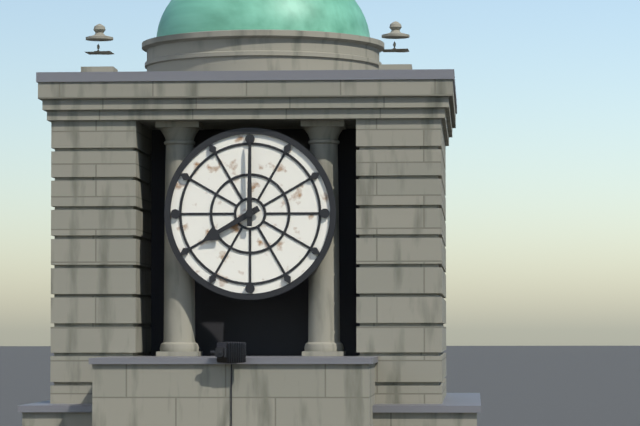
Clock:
8.00
